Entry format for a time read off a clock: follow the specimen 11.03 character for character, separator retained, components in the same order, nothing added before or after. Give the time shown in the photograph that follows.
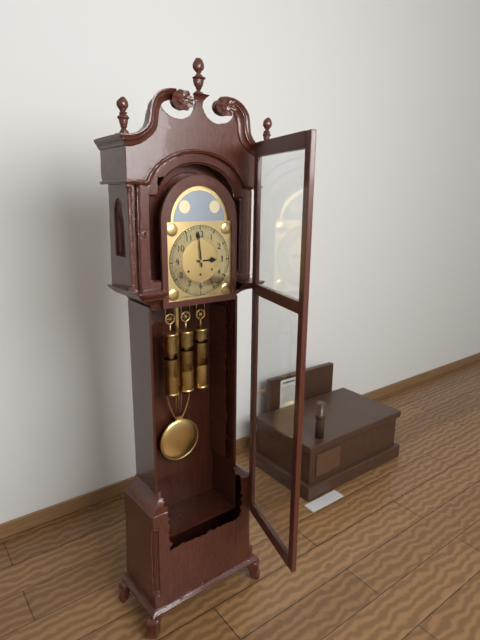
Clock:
2.59
